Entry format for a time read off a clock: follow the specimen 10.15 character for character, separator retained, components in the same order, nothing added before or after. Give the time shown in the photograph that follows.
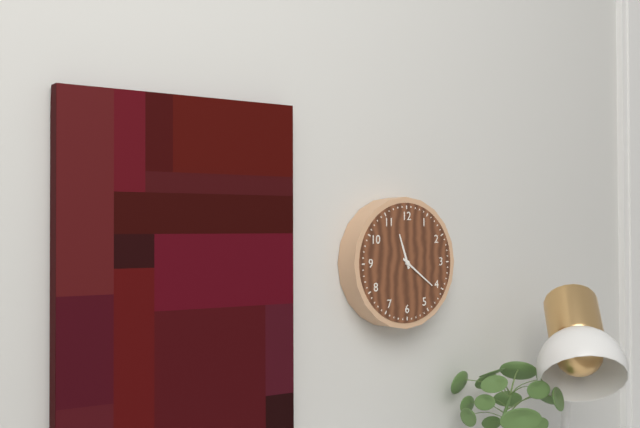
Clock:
11.21
